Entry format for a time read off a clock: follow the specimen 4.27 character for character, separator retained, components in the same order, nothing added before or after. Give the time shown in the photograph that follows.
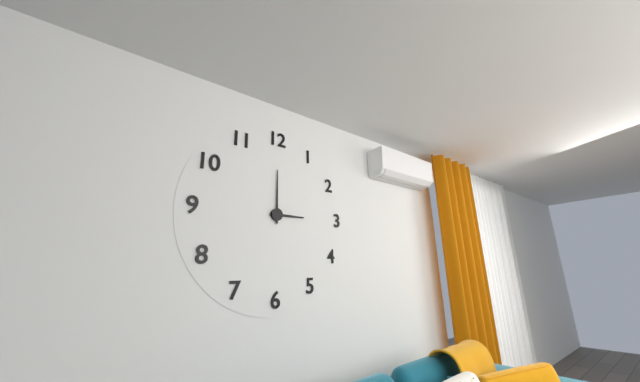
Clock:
3.00
